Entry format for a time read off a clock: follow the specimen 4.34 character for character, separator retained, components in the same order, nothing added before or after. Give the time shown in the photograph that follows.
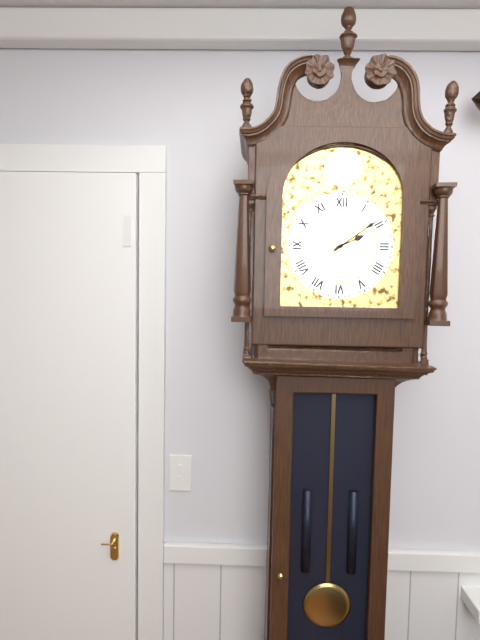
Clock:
2.09
